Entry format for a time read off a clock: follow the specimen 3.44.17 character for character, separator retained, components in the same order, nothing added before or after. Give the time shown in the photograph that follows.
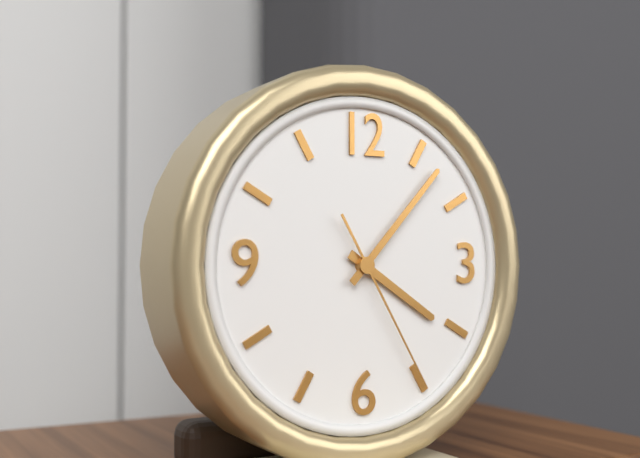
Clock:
4.07.25
